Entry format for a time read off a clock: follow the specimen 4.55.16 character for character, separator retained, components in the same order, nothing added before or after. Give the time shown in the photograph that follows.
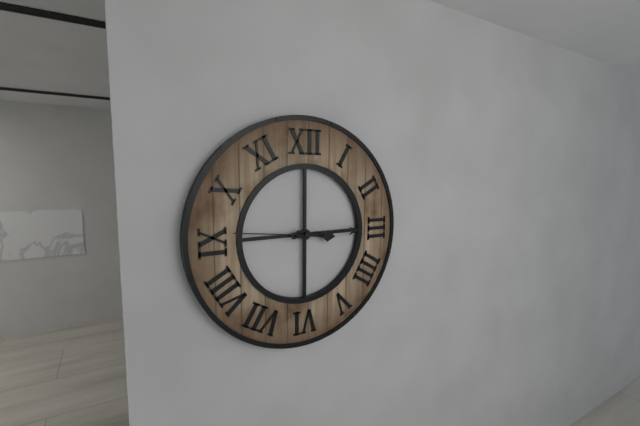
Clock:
3.15.46
